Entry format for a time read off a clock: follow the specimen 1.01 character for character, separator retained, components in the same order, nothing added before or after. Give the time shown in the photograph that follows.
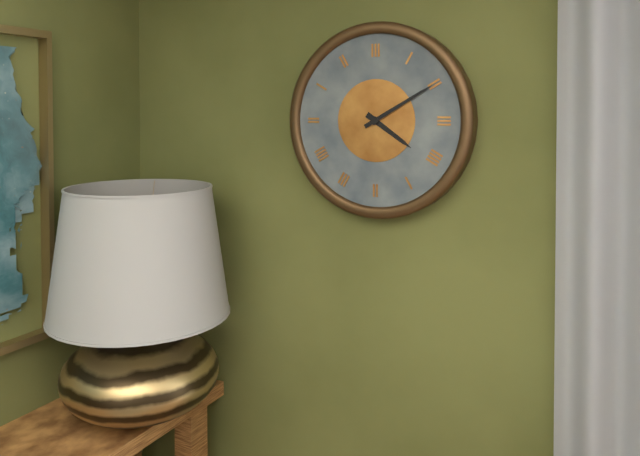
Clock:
4.10
